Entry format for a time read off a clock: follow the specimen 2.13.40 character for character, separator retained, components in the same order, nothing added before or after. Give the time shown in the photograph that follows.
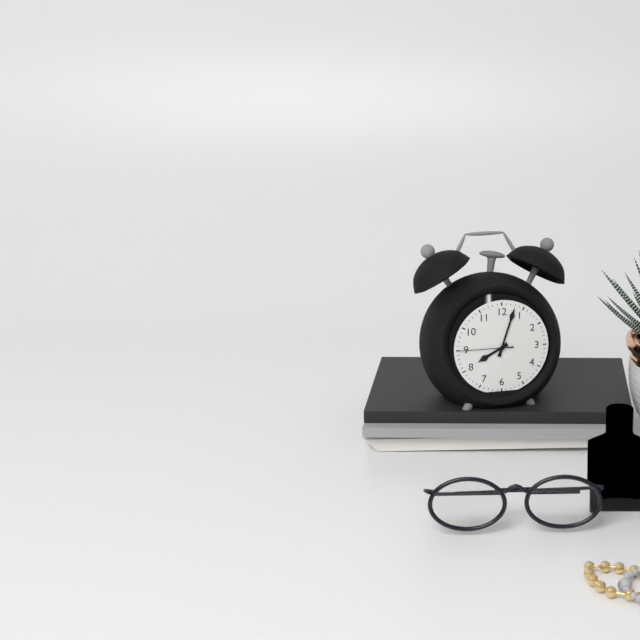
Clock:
8.03.45
